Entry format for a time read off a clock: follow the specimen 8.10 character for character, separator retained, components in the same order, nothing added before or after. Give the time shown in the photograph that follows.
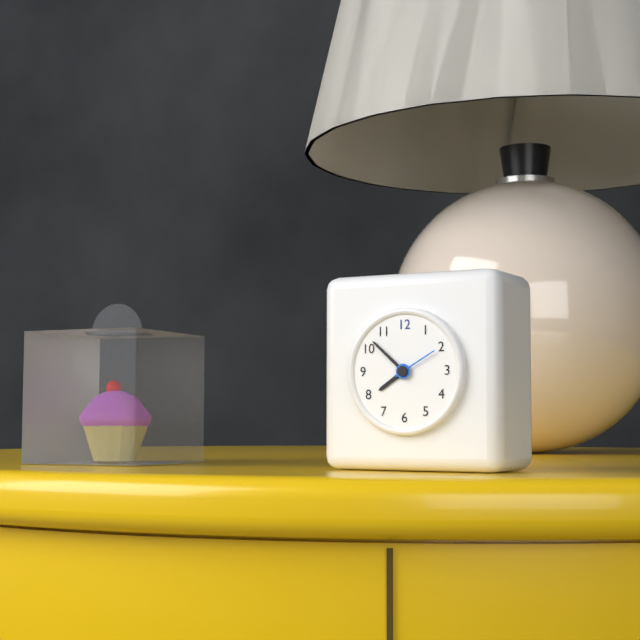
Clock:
7.52
